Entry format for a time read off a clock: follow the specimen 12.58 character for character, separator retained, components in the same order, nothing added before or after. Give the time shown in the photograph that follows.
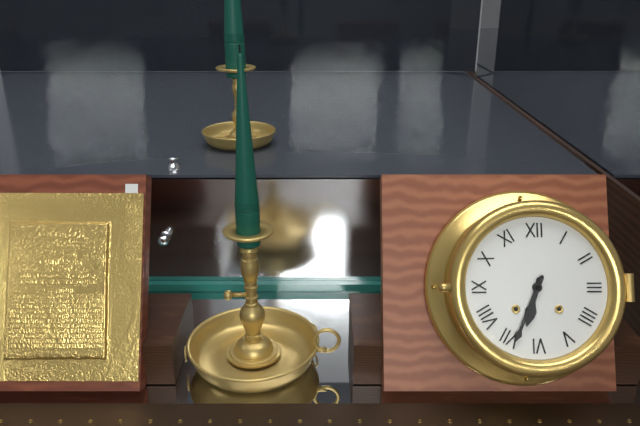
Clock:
6.34
